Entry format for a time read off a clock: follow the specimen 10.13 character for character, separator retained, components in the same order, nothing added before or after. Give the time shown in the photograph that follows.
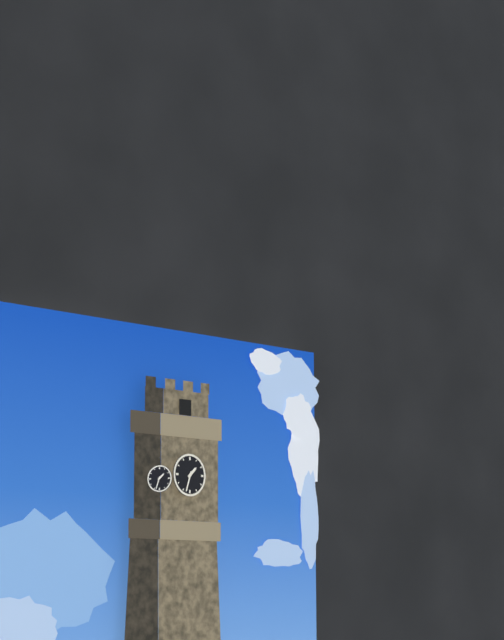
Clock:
1.33
